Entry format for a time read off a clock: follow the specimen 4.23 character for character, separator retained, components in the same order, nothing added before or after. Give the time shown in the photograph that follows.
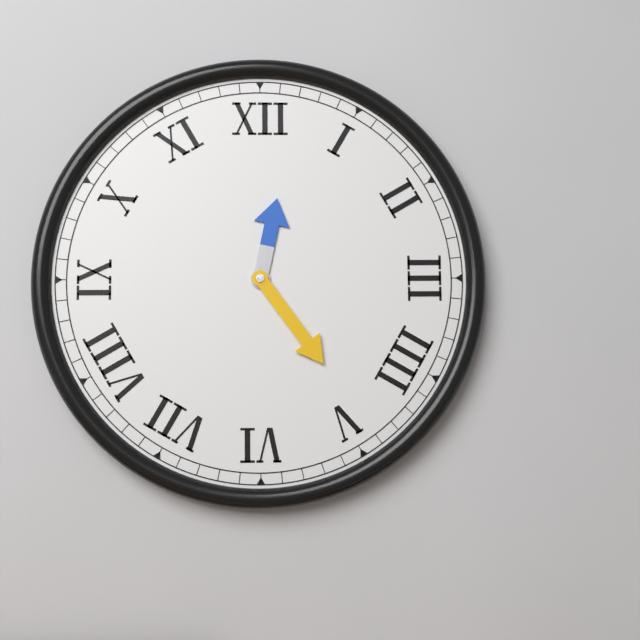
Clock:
12.24
